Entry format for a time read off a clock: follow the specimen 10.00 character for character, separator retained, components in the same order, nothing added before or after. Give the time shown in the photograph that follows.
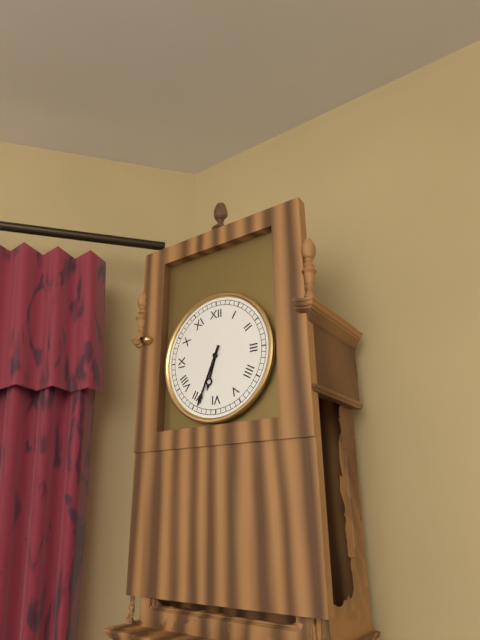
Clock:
6.34
